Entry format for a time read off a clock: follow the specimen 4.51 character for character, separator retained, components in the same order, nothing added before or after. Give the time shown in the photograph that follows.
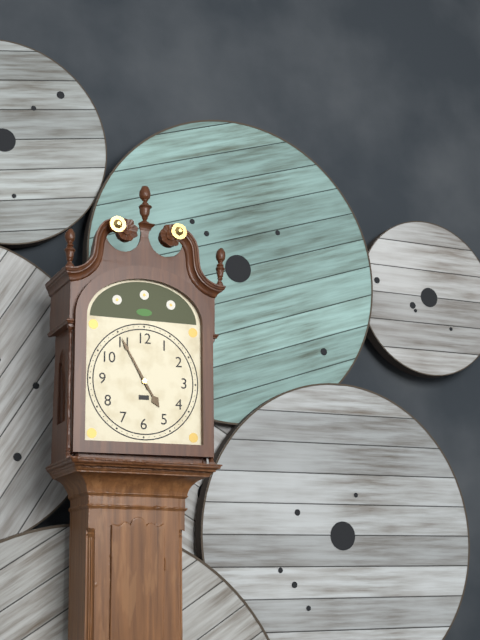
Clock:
4.55
